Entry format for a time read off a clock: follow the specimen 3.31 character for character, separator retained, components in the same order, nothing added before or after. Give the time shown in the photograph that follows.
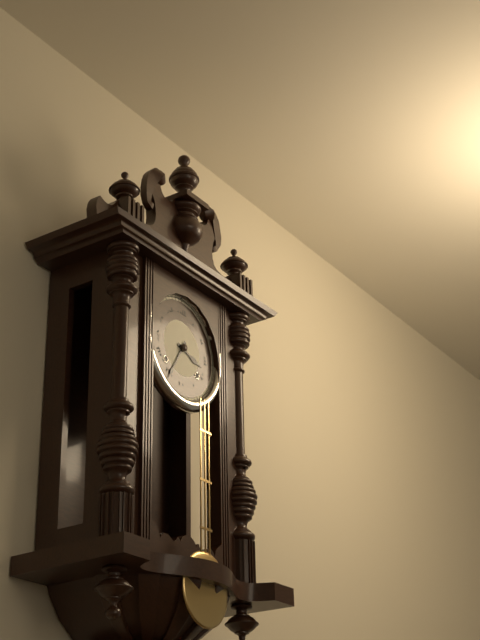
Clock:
3.35
